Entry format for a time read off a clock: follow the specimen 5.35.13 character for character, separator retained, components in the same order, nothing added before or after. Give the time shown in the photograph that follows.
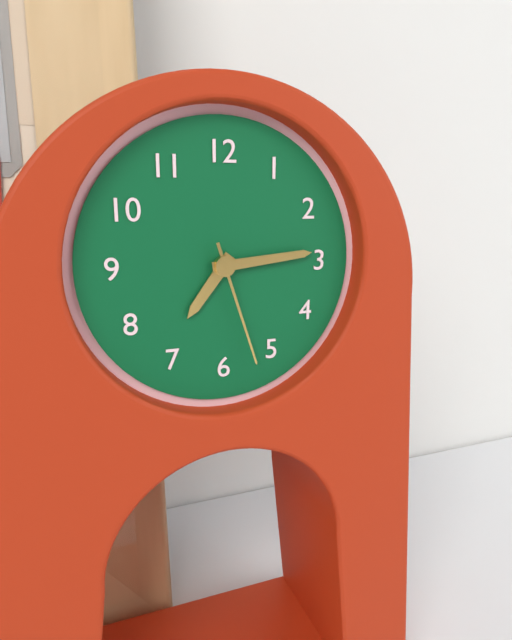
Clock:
7.14.27
